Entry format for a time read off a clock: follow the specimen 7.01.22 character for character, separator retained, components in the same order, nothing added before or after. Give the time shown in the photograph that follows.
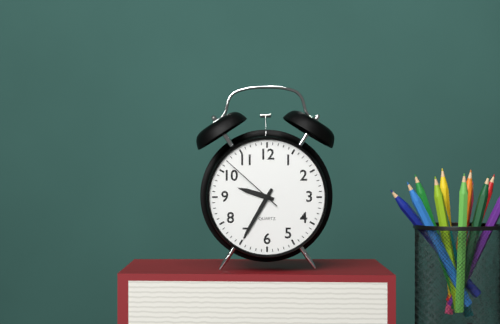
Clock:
9.35.52
